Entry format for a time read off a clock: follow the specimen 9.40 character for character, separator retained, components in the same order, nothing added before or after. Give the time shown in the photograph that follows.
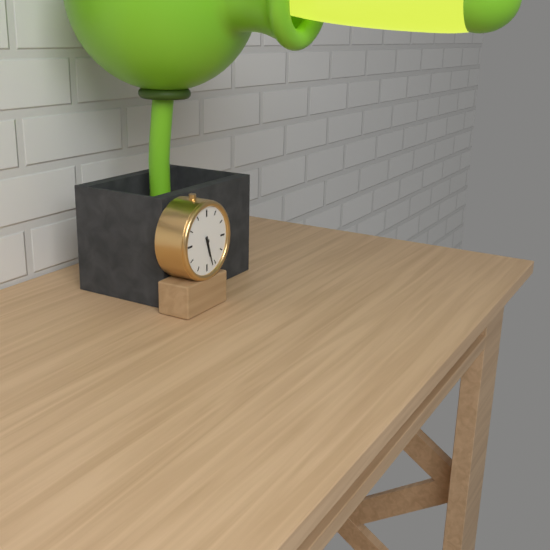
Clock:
5.27
